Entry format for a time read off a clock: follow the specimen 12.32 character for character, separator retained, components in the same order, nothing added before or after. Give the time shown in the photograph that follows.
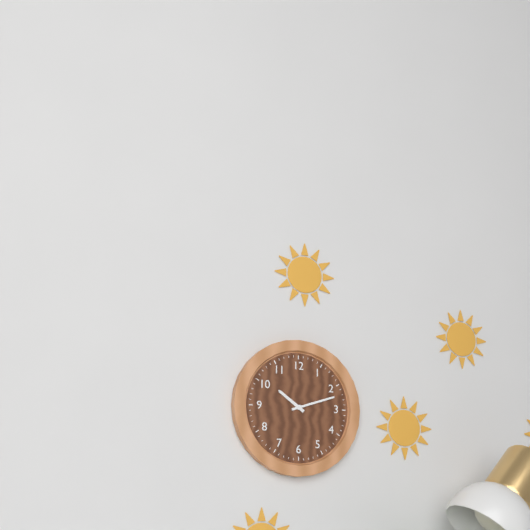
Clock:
10.12
